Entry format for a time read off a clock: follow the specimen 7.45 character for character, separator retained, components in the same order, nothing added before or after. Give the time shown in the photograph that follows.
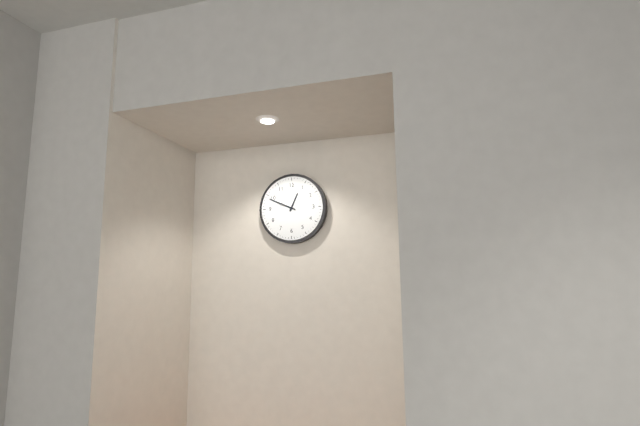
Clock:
12.49
